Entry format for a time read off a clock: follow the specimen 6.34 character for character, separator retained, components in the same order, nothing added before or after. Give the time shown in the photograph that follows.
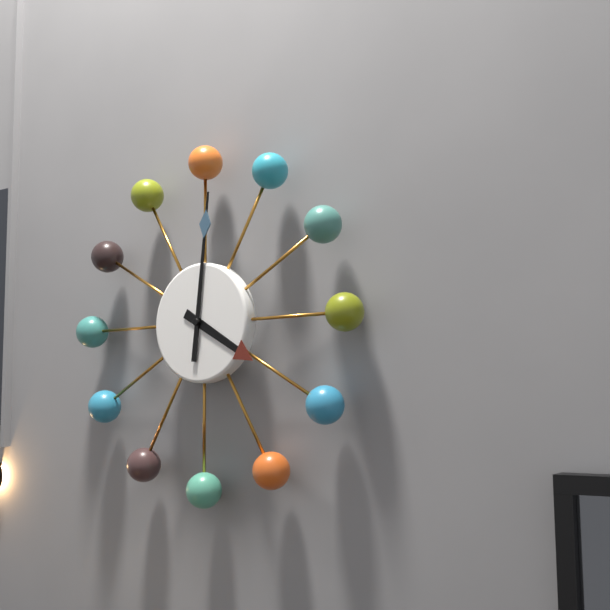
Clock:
4.01
